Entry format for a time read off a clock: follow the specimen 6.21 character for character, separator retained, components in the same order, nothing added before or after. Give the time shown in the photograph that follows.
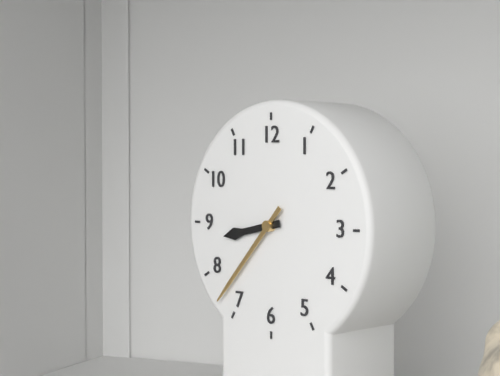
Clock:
8.37
